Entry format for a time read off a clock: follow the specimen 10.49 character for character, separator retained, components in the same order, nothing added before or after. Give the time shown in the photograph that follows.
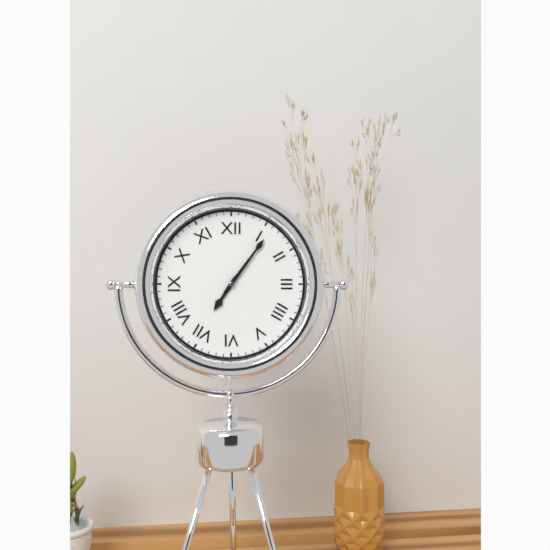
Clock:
7.06
